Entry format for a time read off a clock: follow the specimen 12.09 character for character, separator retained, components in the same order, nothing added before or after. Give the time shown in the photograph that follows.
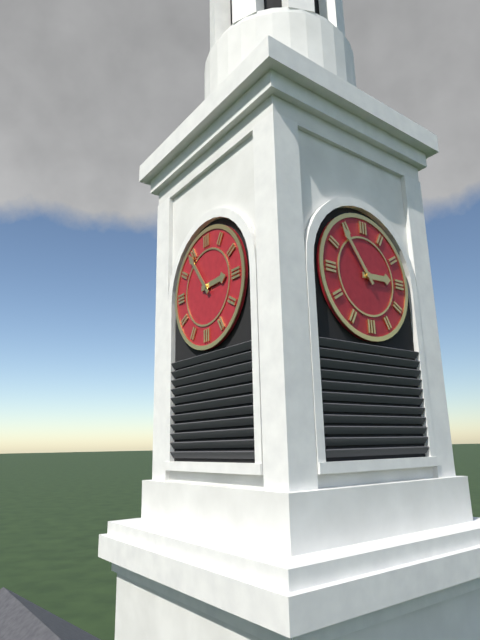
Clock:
2.54
